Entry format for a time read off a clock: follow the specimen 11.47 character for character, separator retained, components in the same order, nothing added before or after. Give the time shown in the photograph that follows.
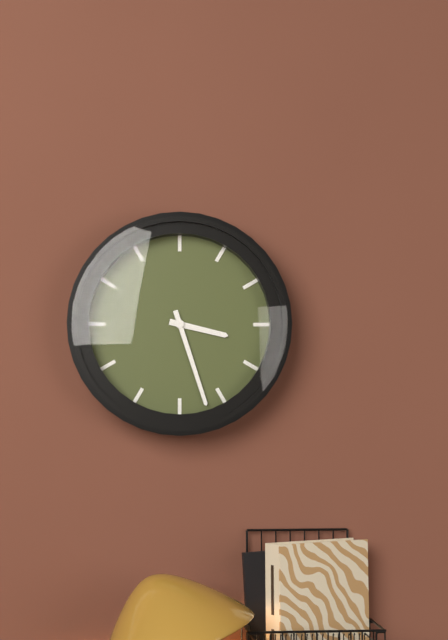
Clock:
3.27
